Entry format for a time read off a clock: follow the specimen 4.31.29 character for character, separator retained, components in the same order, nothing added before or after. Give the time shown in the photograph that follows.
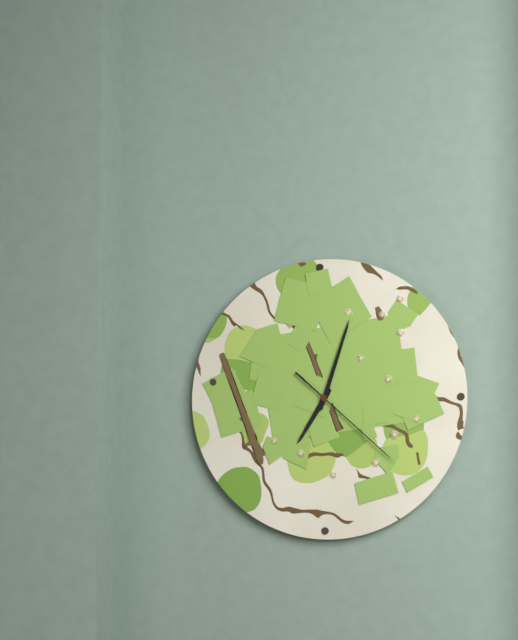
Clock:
7.03.22
